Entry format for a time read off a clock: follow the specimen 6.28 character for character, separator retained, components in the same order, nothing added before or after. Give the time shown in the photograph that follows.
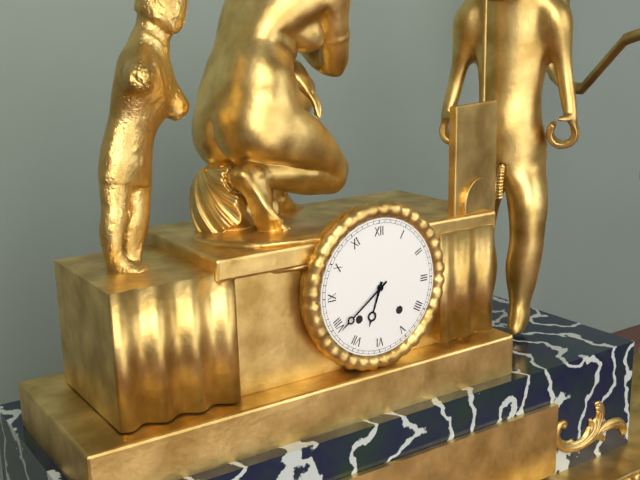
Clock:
6.39
